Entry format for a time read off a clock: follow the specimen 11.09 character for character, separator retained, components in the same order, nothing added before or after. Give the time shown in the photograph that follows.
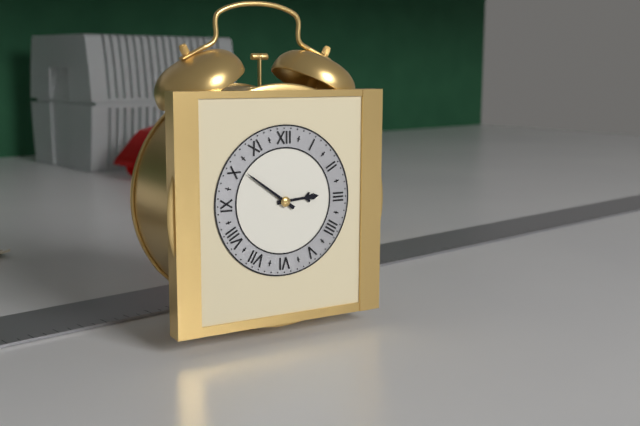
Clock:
2.51
